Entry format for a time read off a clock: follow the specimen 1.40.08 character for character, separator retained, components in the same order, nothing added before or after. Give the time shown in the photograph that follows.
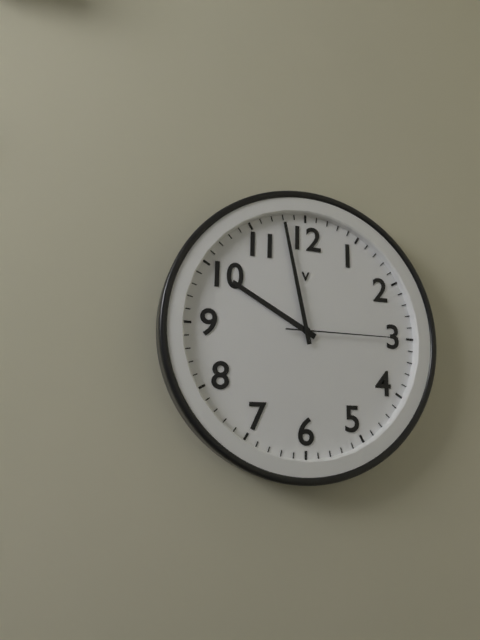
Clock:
9.58.15
